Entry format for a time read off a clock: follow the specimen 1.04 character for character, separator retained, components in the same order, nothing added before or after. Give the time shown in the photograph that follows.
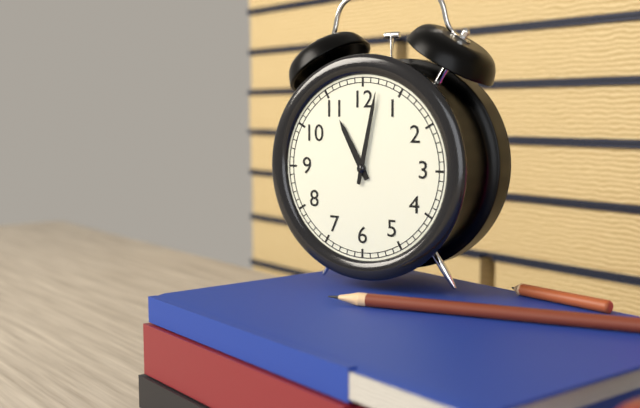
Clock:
11.02
